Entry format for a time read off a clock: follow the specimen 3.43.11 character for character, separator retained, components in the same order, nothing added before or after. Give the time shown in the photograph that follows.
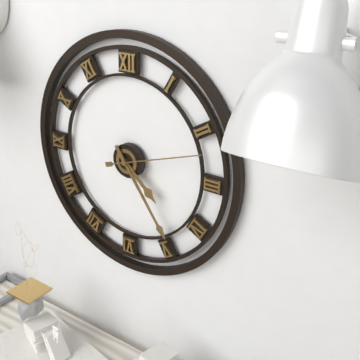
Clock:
4.24.12
